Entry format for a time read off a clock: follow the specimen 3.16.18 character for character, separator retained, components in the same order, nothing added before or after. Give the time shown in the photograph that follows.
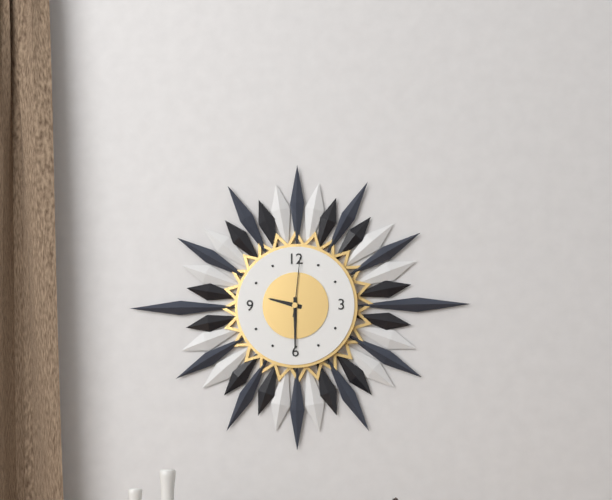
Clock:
9.30.01
